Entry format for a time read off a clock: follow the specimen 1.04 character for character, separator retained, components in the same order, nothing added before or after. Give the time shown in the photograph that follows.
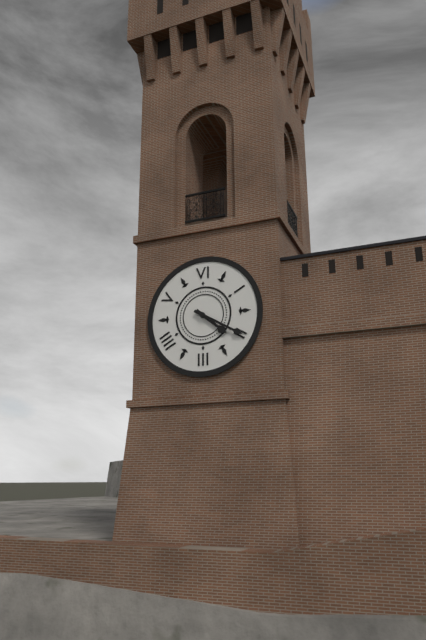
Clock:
4.20
